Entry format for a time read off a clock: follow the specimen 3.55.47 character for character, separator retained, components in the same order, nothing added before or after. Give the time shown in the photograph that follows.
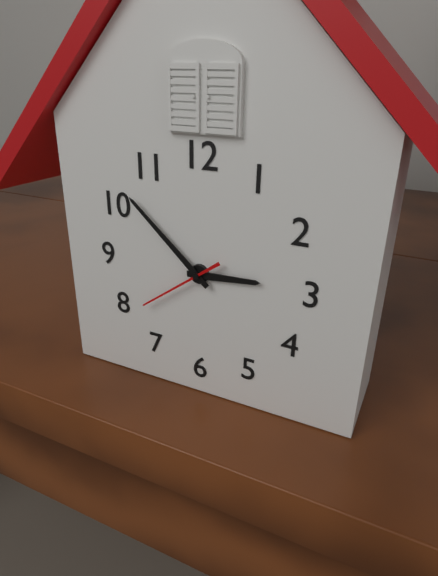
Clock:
2.52.39
